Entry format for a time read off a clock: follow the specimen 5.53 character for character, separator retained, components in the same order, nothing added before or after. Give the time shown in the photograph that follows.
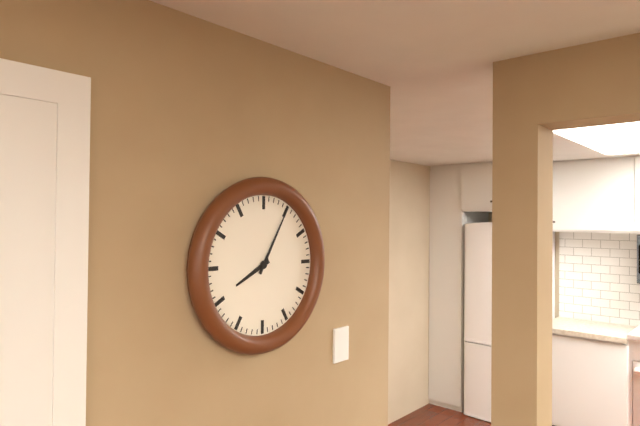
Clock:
8.05
